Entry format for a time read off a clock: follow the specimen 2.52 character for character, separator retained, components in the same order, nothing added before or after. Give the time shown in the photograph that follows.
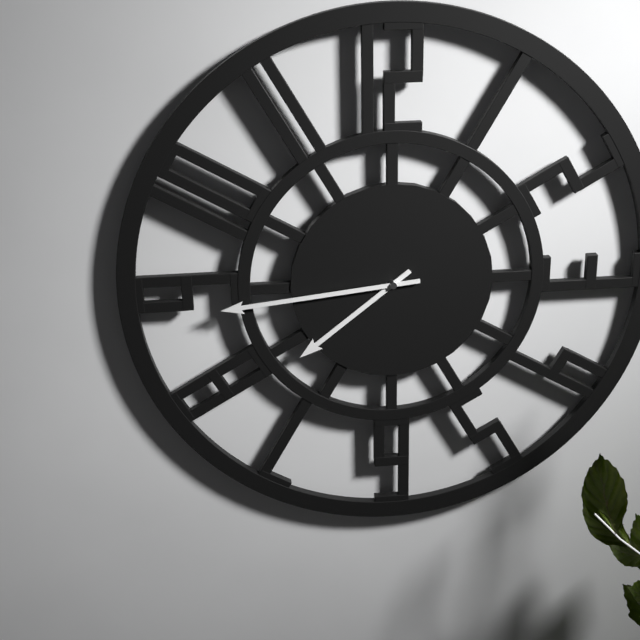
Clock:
7.44
